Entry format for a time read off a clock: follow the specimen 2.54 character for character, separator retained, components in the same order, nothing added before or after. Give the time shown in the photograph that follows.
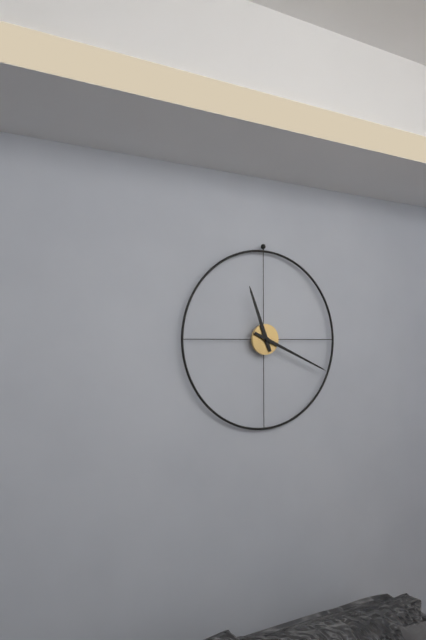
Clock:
11.19
